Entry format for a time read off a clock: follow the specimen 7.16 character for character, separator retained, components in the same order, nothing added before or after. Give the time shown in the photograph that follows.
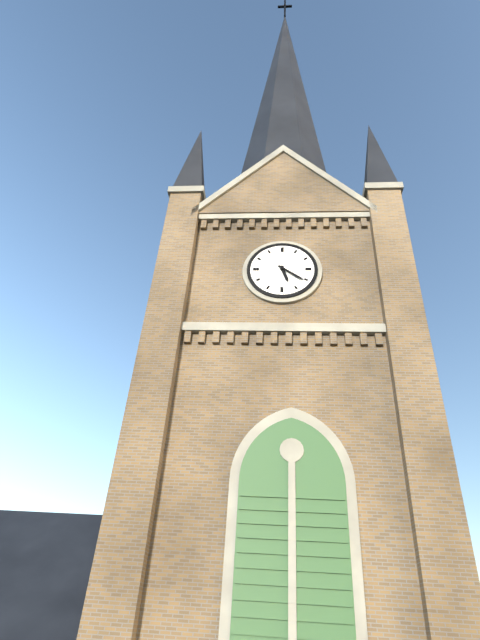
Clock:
5.21
